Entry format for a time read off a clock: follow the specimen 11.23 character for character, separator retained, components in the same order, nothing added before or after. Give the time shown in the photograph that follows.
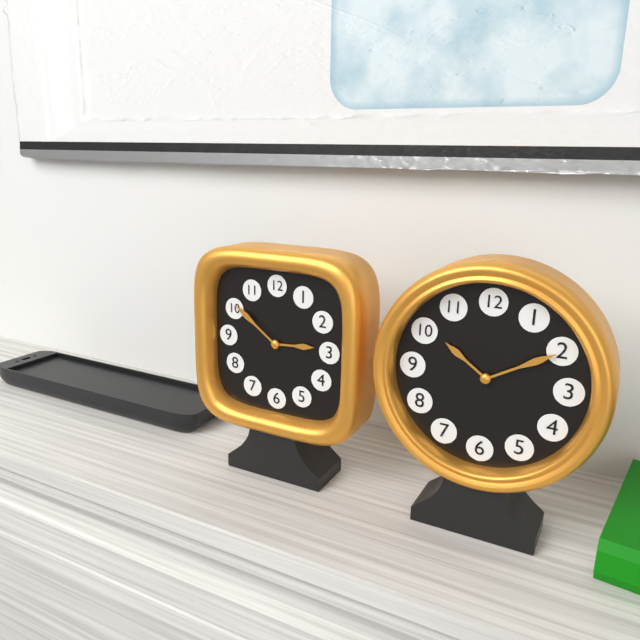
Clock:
2.51
